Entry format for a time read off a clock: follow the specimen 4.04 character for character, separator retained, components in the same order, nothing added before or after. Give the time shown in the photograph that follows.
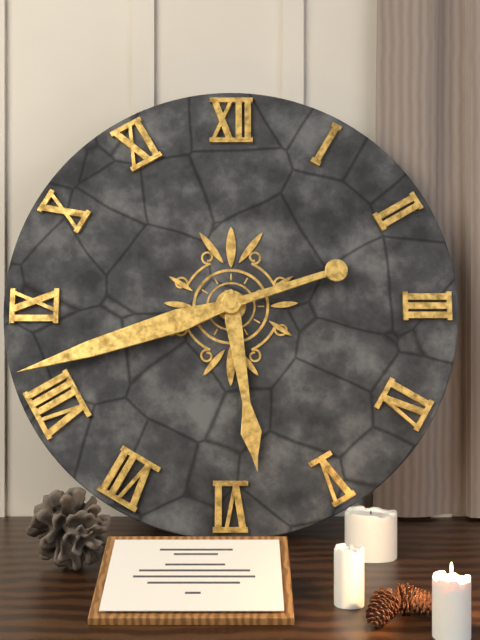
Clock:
5.42
